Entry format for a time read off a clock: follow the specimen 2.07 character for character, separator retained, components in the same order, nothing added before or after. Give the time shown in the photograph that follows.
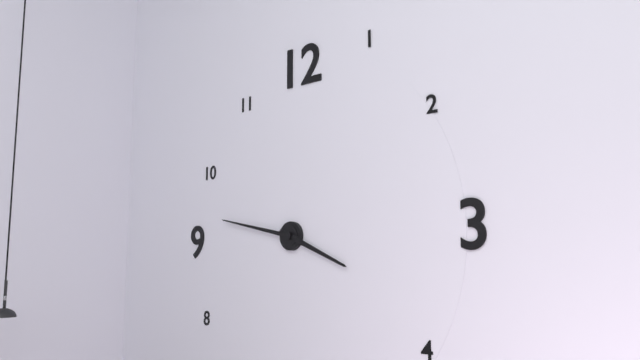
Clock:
3.47
